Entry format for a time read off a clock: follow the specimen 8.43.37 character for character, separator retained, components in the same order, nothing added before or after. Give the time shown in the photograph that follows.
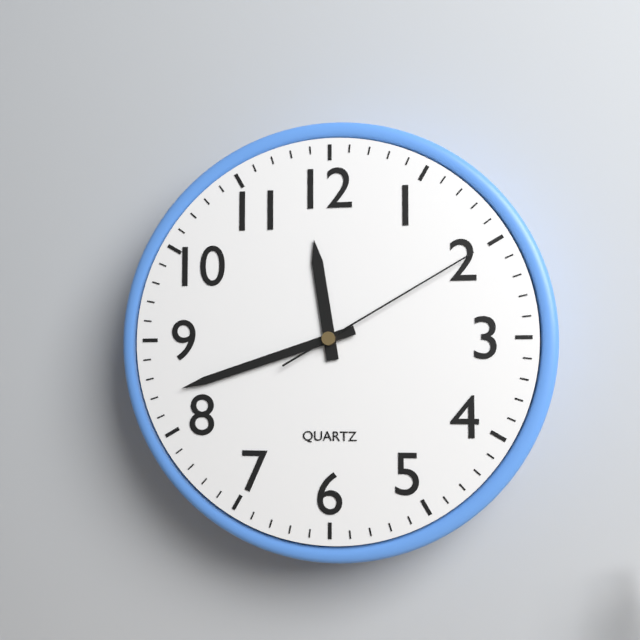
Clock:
11.42.10
